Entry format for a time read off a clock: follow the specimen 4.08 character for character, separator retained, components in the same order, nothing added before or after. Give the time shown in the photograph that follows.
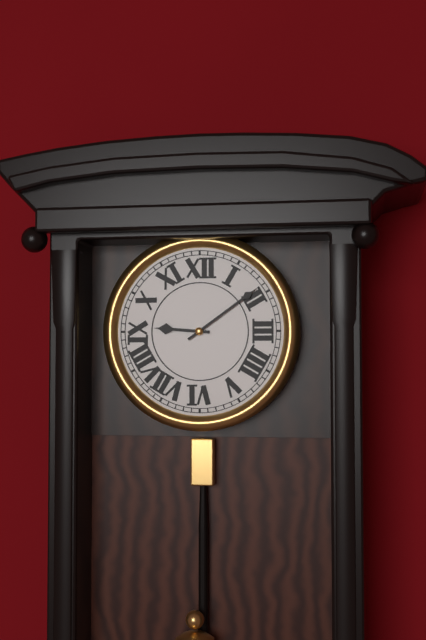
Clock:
9.09
